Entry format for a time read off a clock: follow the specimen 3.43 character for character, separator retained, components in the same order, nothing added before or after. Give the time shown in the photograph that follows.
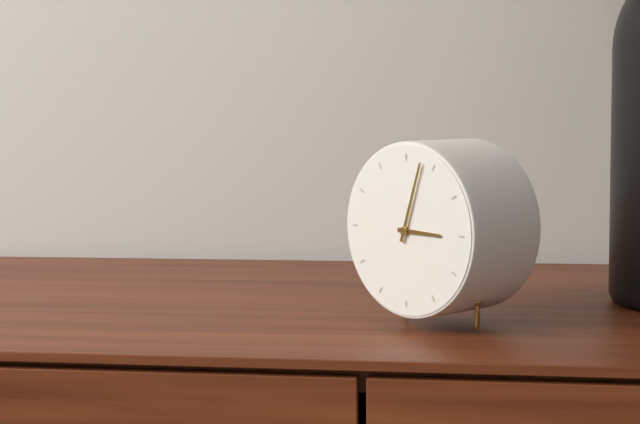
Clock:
3.03
